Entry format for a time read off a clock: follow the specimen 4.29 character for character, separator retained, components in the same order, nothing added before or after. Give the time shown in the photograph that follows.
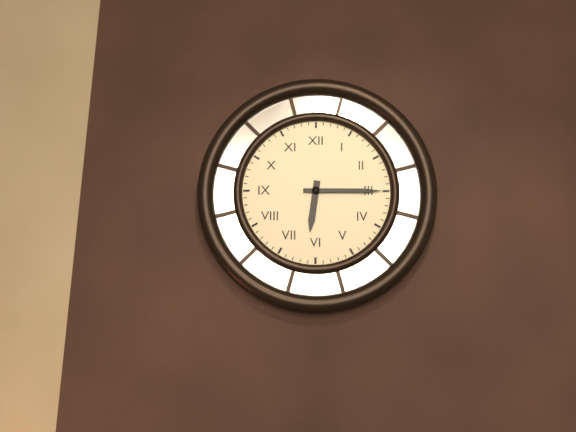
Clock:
6.15
